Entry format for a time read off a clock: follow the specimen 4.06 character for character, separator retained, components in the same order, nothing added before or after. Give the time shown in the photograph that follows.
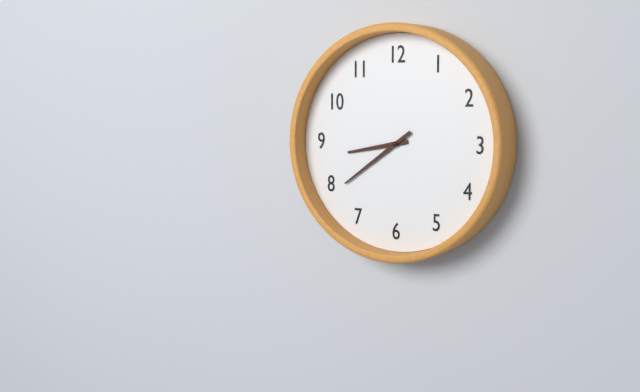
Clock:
8.39
